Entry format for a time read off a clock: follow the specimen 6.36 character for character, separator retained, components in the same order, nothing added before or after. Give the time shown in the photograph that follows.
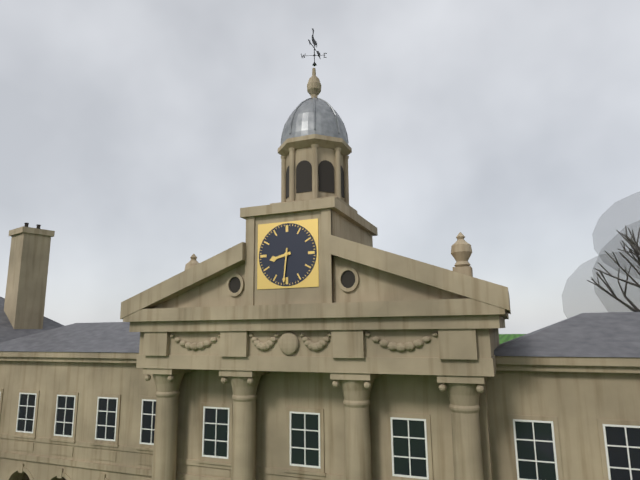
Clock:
8.31
